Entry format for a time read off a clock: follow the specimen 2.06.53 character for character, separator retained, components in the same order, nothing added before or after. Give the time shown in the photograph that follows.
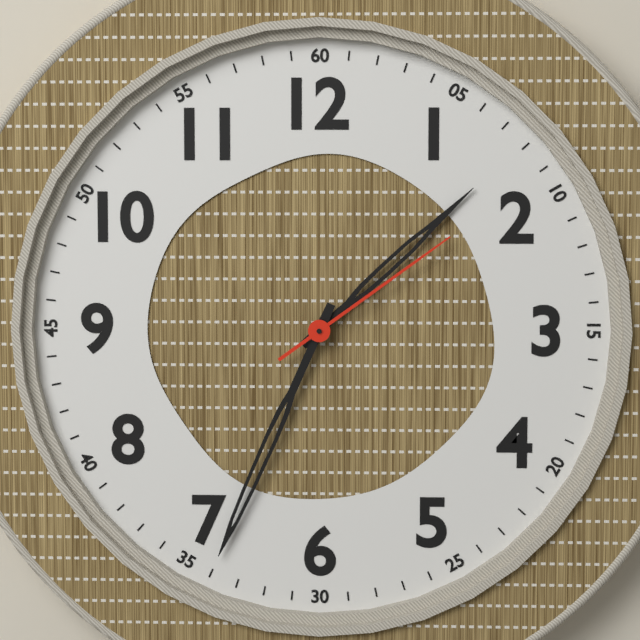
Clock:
1.34.09
